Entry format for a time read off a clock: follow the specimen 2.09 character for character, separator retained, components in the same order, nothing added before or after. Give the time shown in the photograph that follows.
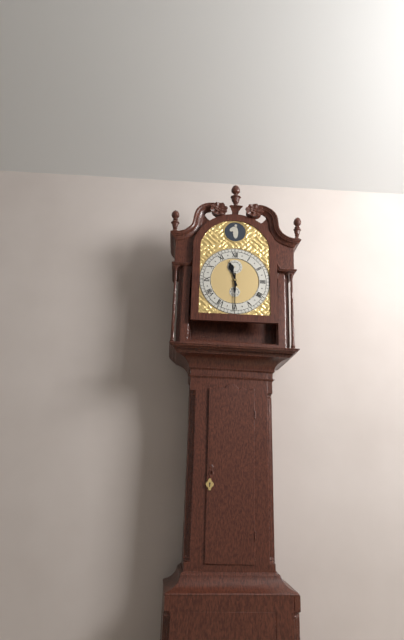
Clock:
11.30
